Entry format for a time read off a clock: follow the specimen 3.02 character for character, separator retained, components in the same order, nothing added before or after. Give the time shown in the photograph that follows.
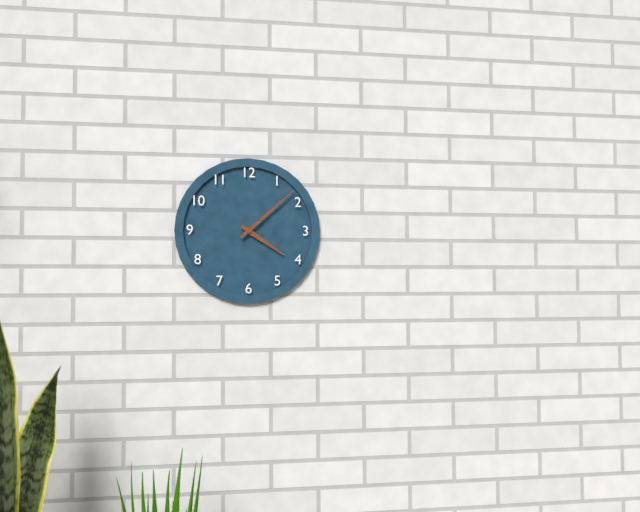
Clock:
4.08
